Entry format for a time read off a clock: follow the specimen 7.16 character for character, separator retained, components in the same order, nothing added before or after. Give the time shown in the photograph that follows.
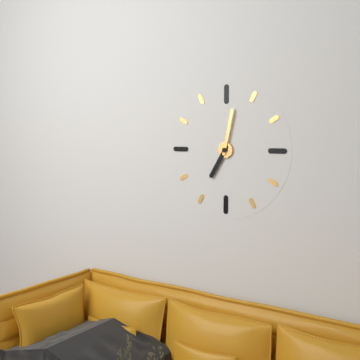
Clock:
7.02
